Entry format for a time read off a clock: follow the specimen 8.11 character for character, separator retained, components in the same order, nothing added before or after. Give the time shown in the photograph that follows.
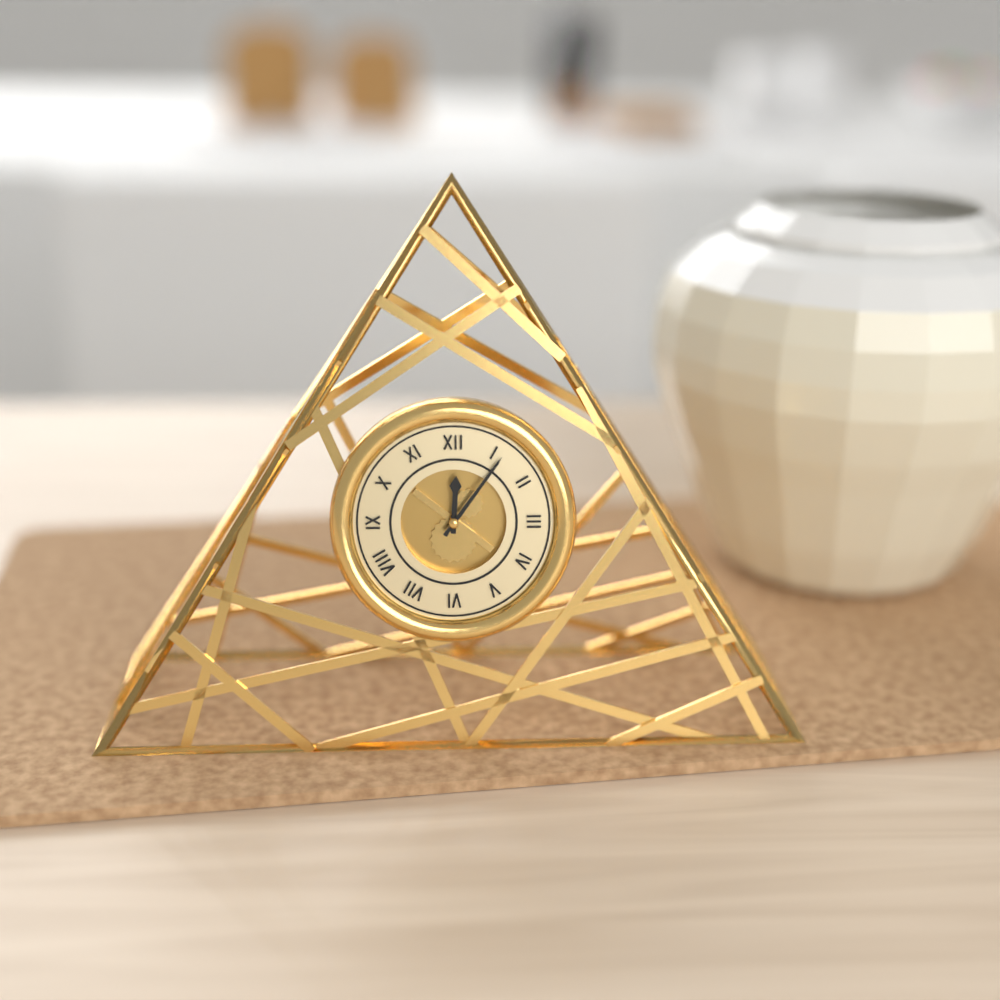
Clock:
12.06
